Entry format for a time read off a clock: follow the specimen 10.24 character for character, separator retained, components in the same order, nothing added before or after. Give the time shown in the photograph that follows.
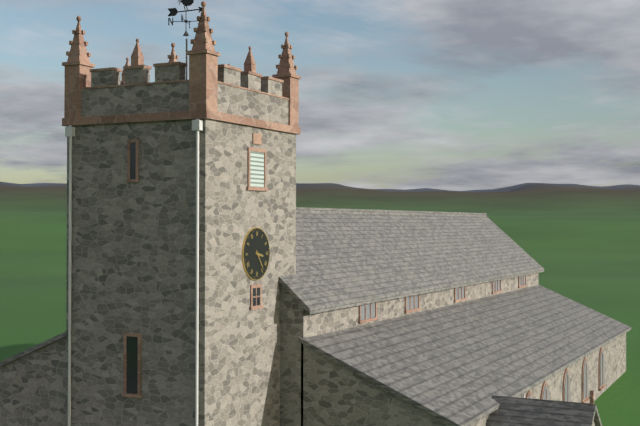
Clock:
3.24
